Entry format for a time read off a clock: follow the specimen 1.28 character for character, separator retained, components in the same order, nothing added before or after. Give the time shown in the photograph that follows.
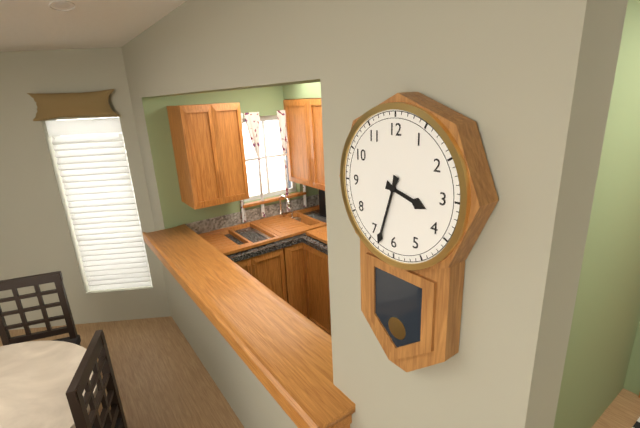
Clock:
3.33
